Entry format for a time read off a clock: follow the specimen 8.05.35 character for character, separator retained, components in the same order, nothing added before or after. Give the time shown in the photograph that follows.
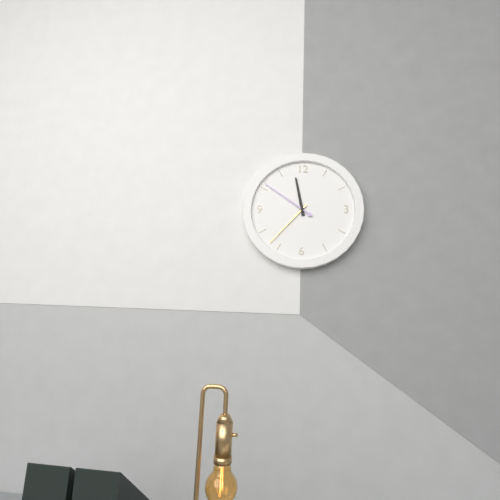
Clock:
11.37.51
